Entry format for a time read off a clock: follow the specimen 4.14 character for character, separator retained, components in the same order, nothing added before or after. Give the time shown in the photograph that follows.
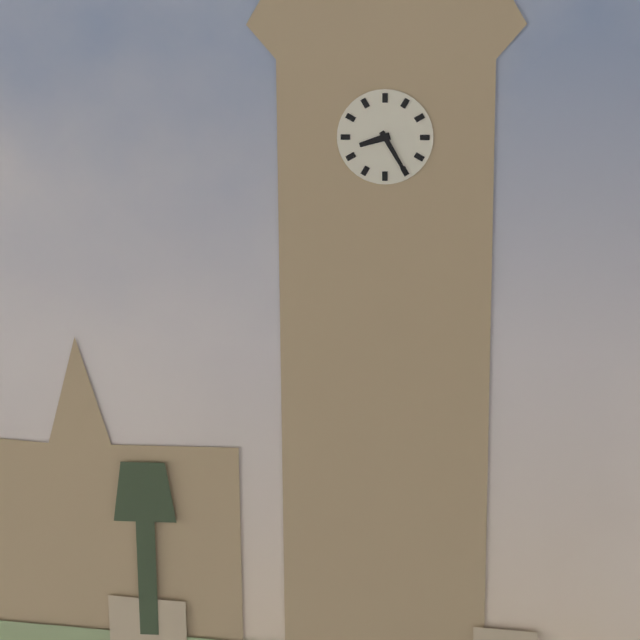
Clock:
8.25
